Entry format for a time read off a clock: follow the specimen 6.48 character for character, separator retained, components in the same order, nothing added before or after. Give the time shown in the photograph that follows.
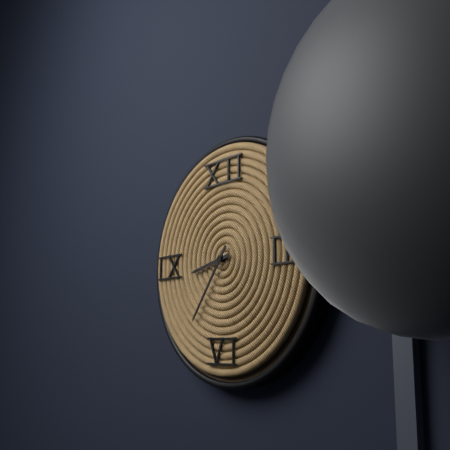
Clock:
8.36
